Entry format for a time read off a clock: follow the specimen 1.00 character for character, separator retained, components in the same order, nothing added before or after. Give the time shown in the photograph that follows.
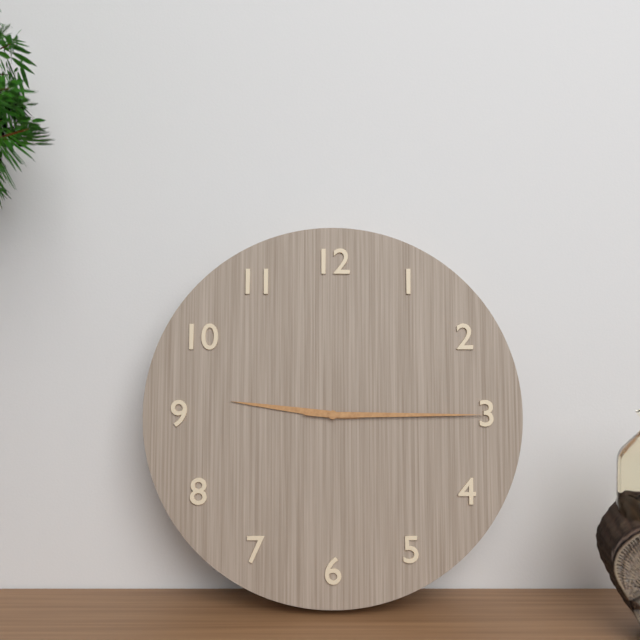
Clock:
9.15
